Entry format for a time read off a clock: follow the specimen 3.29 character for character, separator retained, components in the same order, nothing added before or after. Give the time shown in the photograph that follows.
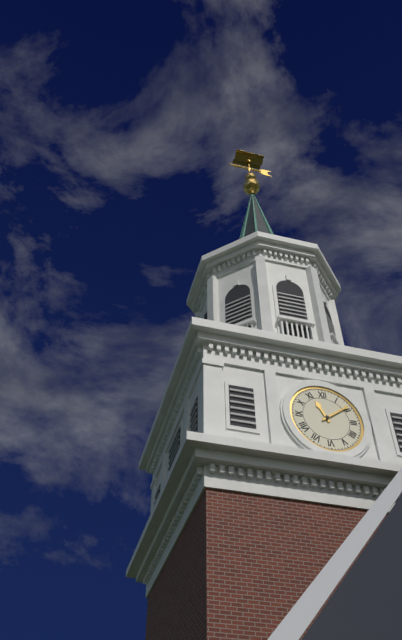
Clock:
11.09
